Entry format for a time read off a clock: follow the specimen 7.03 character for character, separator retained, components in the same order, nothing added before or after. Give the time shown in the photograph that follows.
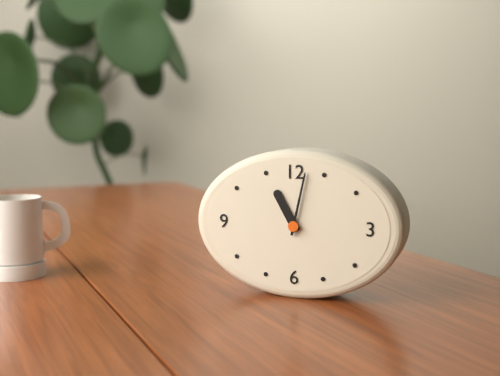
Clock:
11.02
